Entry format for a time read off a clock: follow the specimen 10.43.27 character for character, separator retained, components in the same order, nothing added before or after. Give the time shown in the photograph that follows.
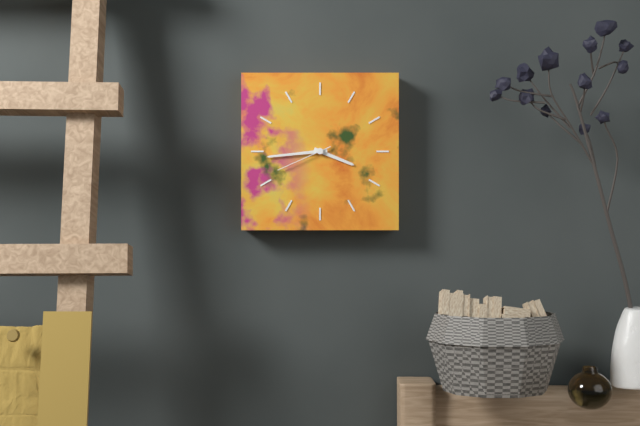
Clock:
3.44.41
